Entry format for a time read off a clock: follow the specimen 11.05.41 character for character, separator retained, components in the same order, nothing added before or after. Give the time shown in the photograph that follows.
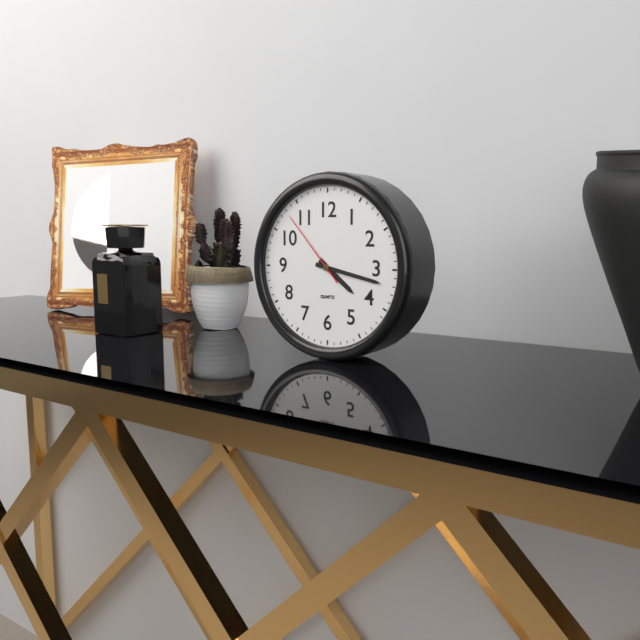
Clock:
4.17.53
